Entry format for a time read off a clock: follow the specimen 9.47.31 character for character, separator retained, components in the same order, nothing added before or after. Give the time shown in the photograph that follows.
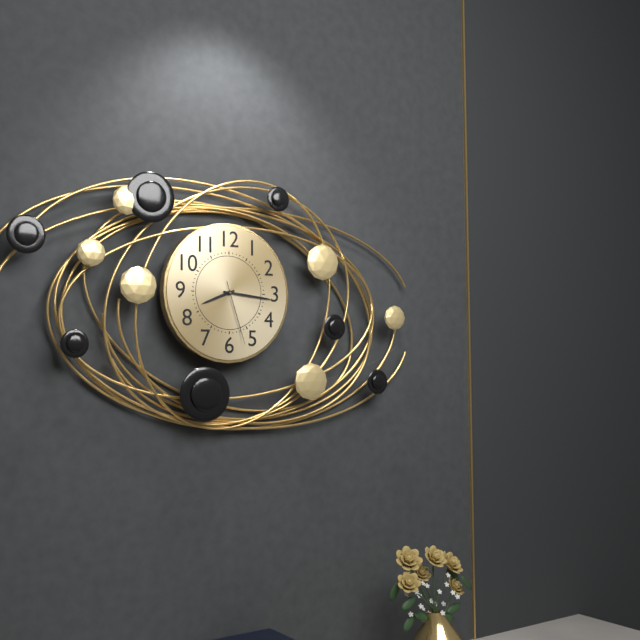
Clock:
8.16.27
